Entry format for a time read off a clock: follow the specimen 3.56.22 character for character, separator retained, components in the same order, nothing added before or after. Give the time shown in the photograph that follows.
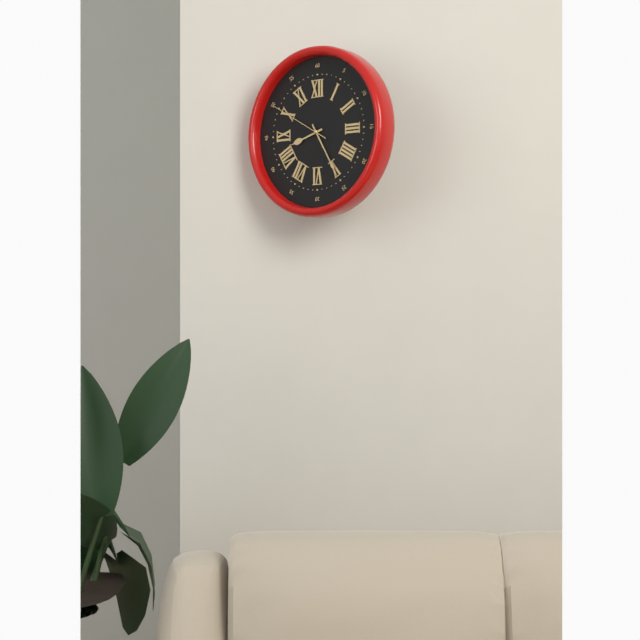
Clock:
8.25.50
